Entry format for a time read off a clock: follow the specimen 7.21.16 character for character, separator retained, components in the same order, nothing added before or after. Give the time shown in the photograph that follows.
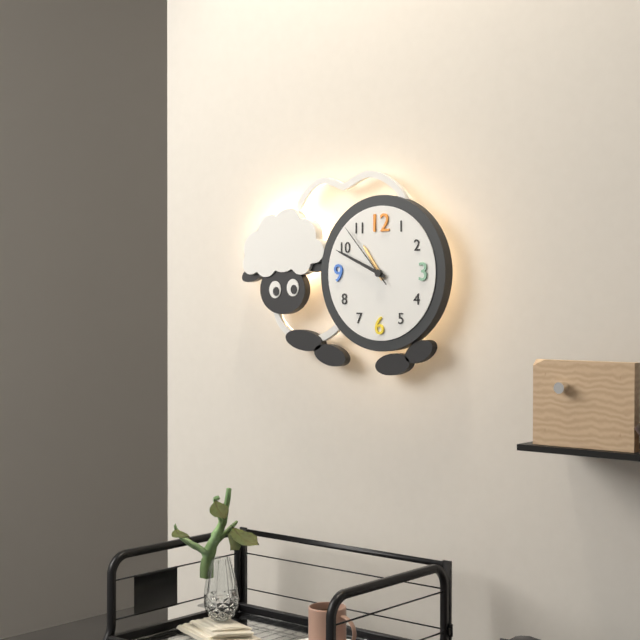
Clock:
10.49.53
